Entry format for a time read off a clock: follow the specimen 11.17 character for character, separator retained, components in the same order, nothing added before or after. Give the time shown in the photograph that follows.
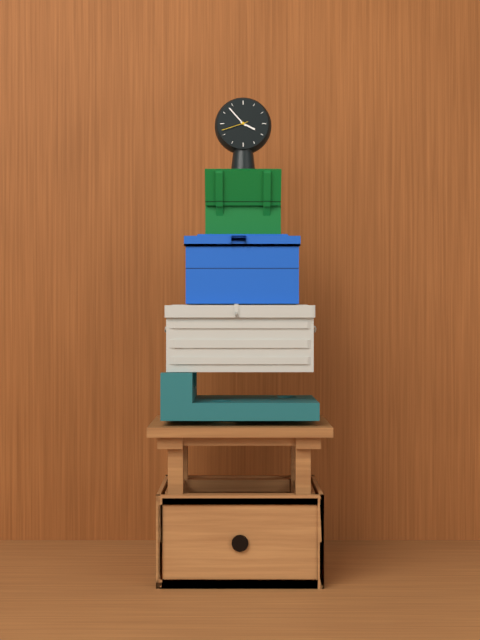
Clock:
3.53
